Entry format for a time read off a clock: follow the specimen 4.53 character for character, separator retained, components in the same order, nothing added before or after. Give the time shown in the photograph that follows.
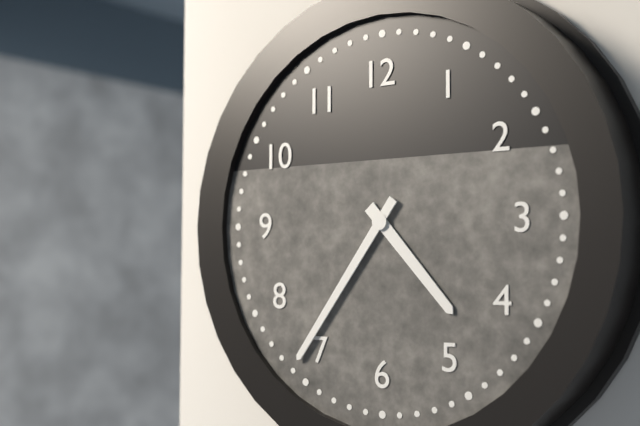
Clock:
4.36
